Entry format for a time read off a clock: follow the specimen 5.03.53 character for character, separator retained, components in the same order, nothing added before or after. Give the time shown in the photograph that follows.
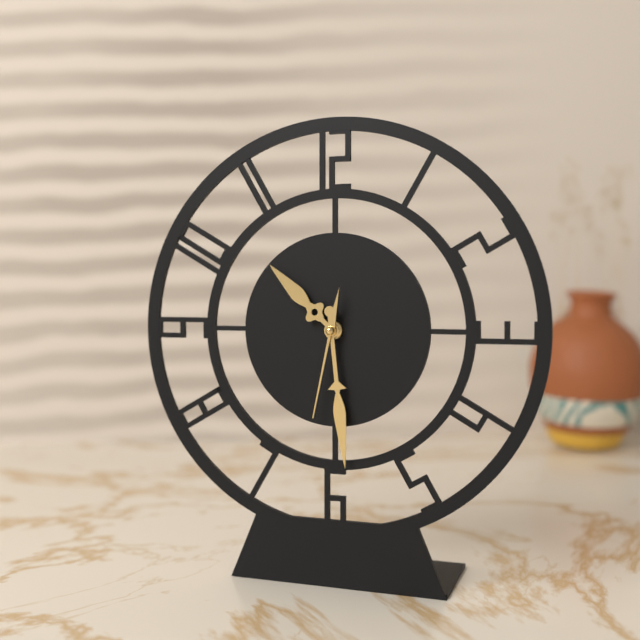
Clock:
10.29.32
